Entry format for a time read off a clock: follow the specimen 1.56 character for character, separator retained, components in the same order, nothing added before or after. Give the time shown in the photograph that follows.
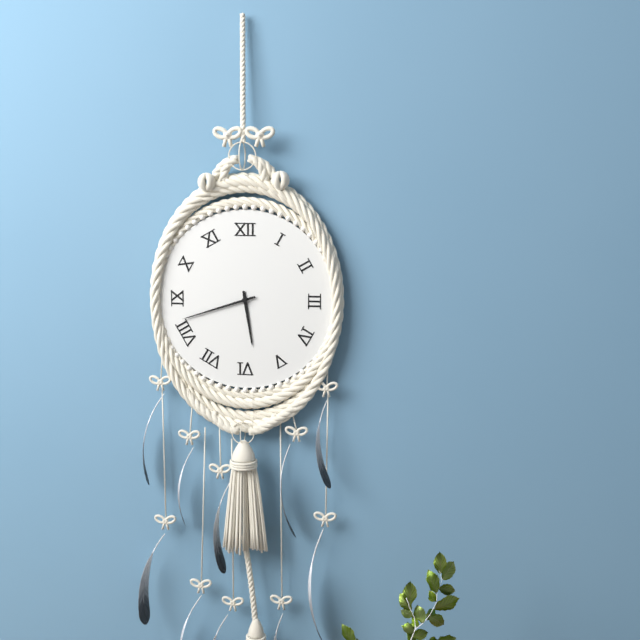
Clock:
5.42
